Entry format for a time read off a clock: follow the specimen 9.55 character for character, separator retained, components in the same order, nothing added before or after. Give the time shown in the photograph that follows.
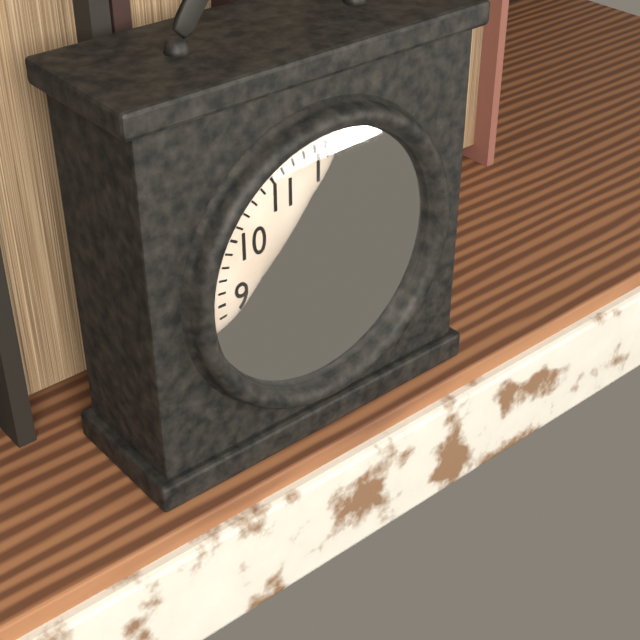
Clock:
7.43
